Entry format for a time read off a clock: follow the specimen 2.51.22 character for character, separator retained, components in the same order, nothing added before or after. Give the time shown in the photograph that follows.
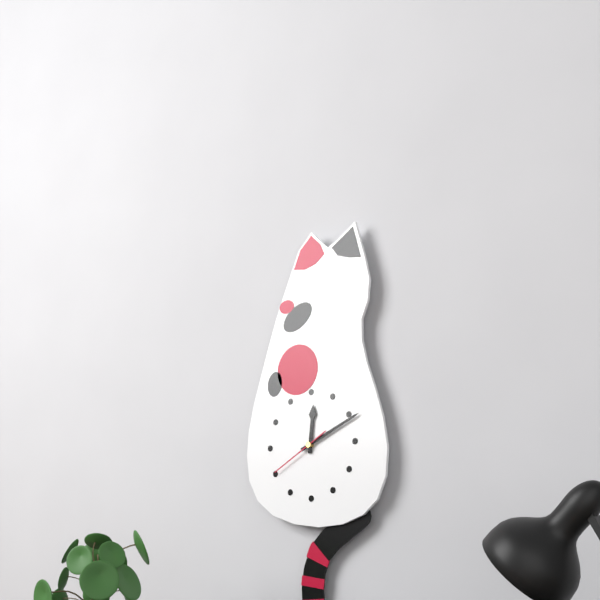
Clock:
12.11.40
